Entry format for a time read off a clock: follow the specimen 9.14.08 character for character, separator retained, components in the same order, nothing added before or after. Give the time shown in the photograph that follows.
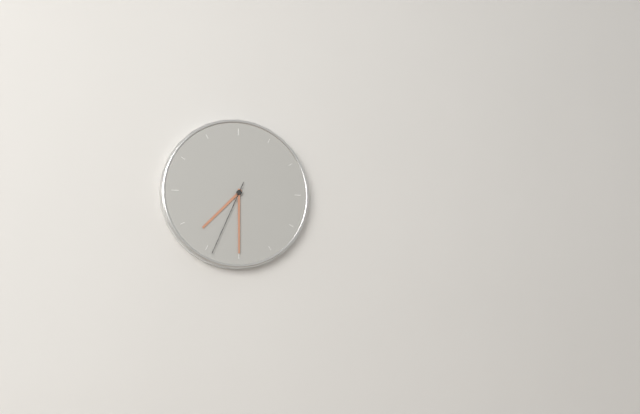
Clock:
7.30.34
